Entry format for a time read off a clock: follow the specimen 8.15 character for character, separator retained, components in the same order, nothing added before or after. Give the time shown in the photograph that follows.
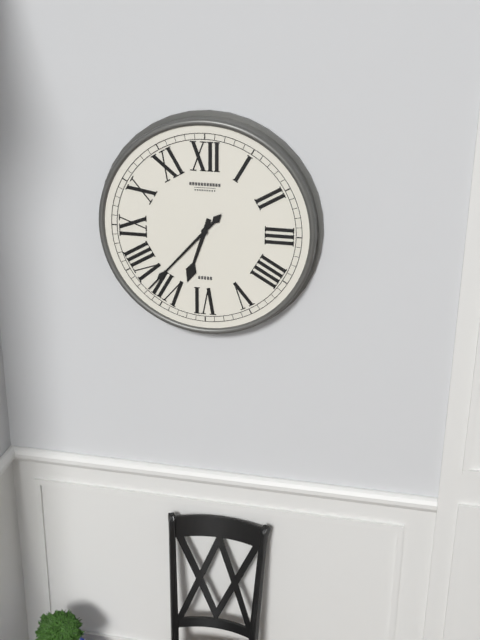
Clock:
6.37
